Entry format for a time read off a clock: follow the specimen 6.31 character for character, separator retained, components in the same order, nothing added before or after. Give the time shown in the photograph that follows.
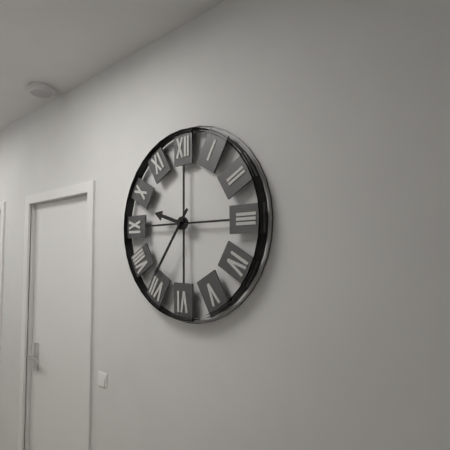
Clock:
9.36
